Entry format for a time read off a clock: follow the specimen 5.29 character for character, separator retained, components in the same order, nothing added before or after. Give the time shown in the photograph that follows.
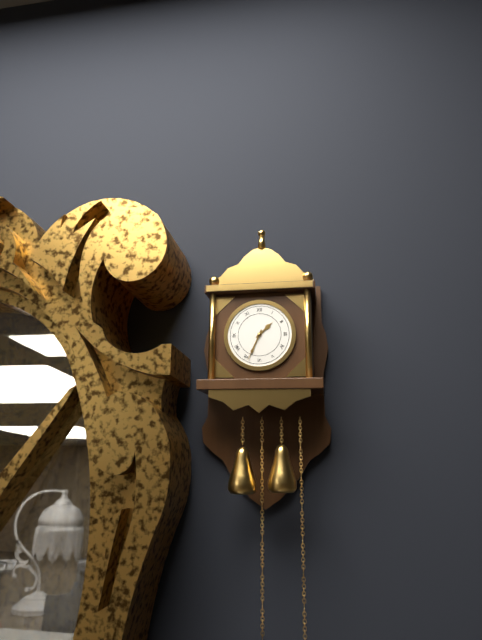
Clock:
1.34
